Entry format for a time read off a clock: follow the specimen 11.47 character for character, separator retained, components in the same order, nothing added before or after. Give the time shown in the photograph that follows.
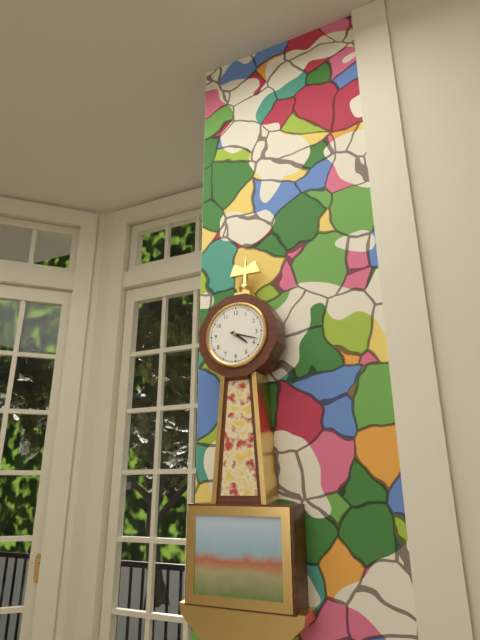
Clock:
4.18
